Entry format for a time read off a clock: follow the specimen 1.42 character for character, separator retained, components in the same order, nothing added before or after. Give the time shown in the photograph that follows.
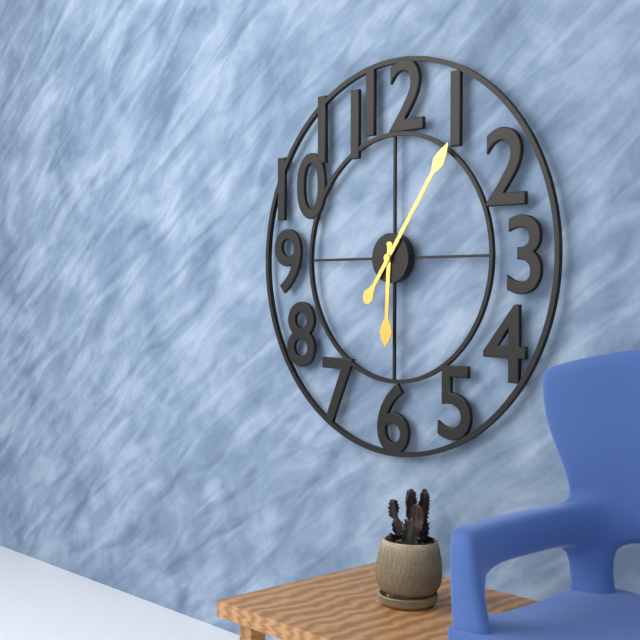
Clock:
6.06
